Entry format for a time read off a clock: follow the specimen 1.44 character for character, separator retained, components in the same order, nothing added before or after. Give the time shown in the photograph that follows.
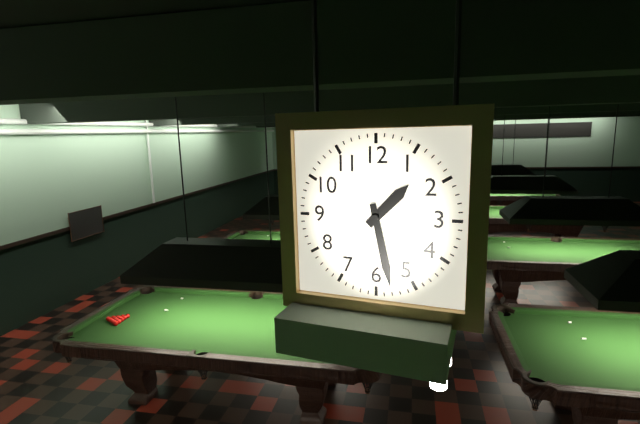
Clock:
1.28
